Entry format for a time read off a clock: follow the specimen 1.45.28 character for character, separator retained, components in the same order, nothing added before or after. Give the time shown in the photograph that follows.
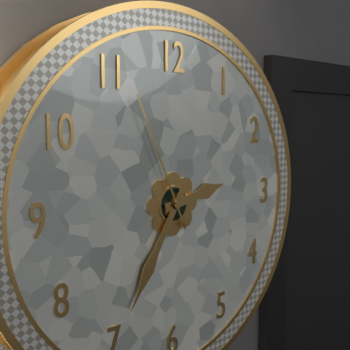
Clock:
2.35.56
